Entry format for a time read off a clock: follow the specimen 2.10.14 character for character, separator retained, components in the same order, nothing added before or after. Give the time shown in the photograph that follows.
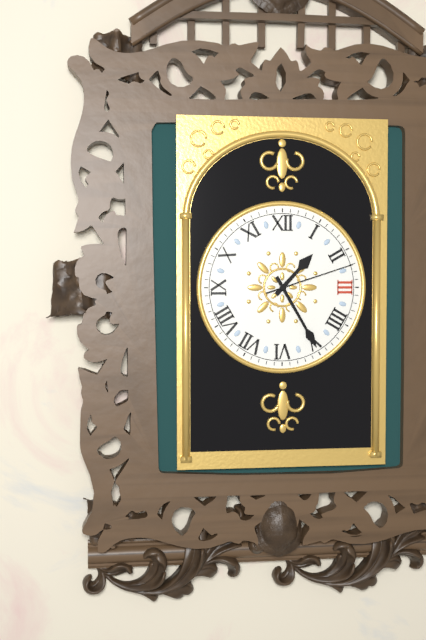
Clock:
1.25.12
